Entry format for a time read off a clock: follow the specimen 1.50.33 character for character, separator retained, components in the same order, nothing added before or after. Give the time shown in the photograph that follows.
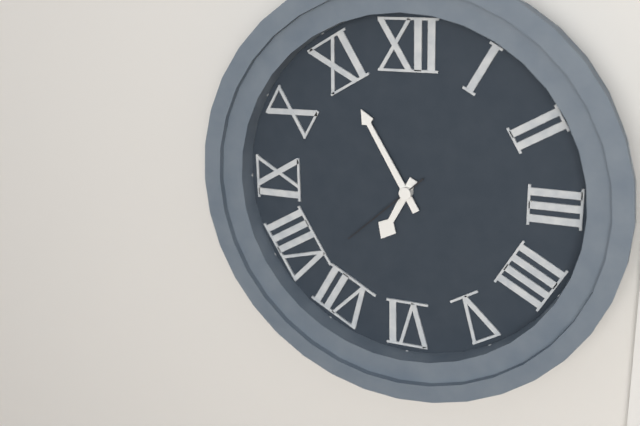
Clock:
6.55.38
